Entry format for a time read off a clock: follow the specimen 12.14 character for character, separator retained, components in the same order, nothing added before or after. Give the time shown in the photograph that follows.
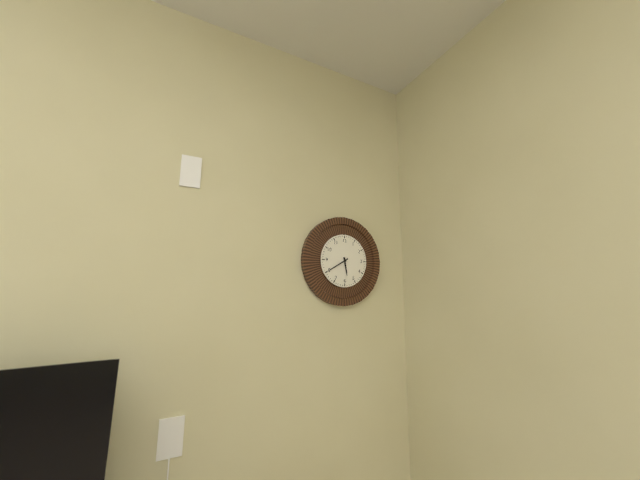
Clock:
5.40
